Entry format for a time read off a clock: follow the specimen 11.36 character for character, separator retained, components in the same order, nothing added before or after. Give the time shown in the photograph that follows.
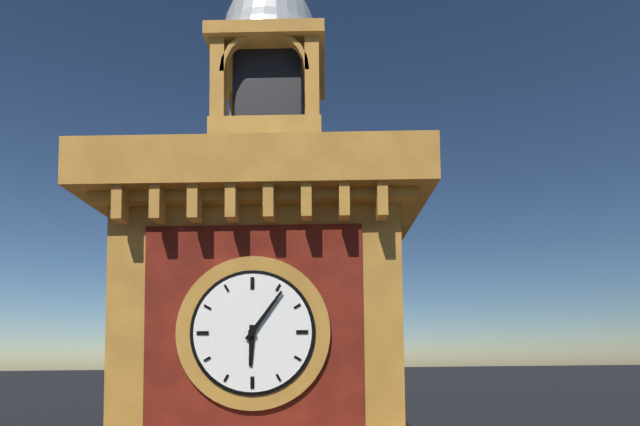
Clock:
6.06
